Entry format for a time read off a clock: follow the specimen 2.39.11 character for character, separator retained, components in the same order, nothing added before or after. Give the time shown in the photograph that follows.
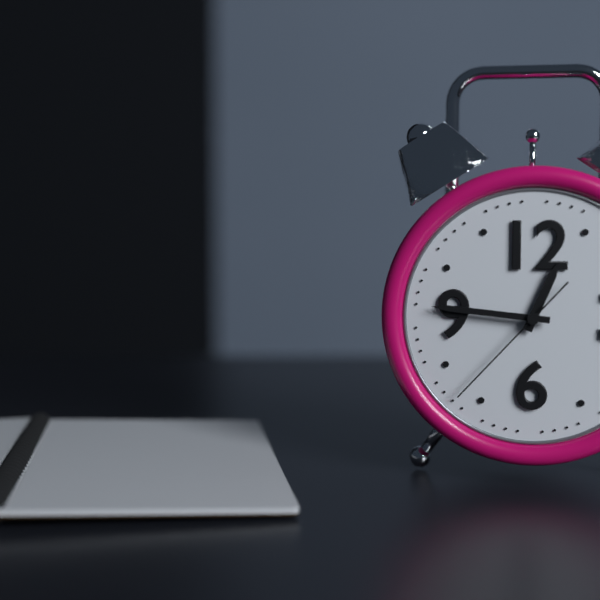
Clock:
12.46.37
